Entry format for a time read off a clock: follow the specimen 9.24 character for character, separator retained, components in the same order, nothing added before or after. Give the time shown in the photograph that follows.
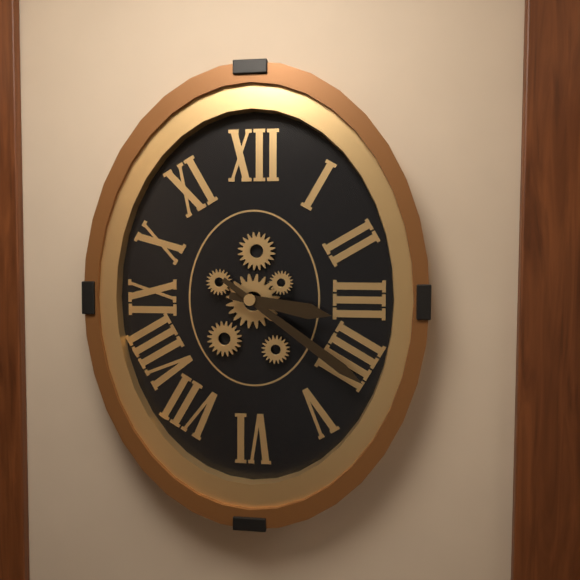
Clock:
3.21
